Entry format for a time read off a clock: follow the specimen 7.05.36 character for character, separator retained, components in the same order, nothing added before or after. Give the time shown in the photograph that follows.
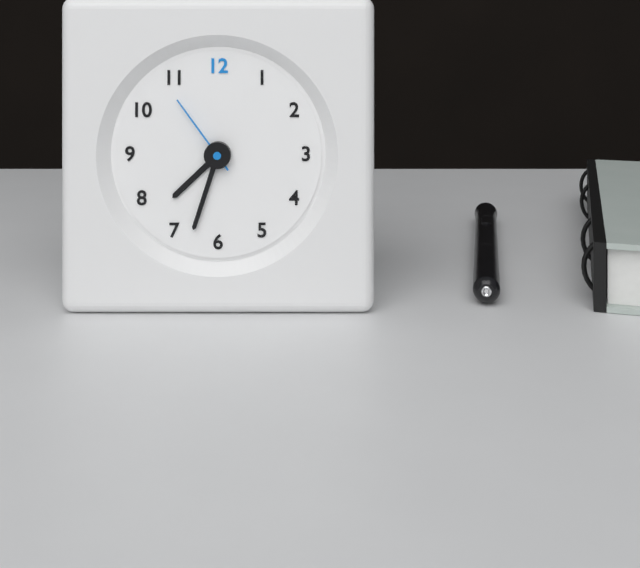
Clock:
7.33.54
